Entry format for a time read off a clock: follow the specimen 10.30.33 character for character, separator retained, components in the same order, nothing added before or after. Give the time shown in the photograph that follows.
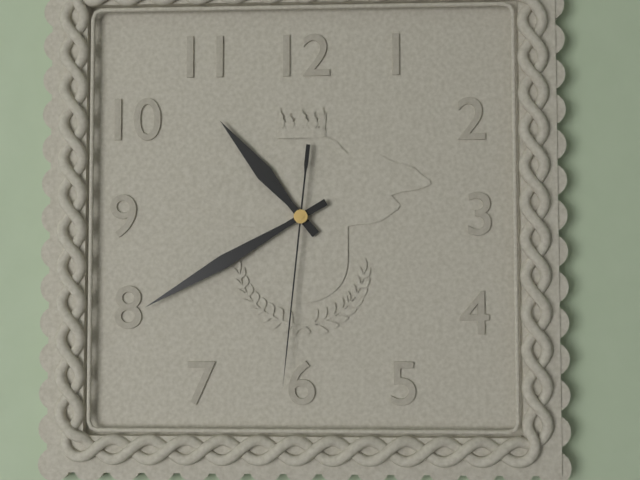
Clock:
10.40.31
